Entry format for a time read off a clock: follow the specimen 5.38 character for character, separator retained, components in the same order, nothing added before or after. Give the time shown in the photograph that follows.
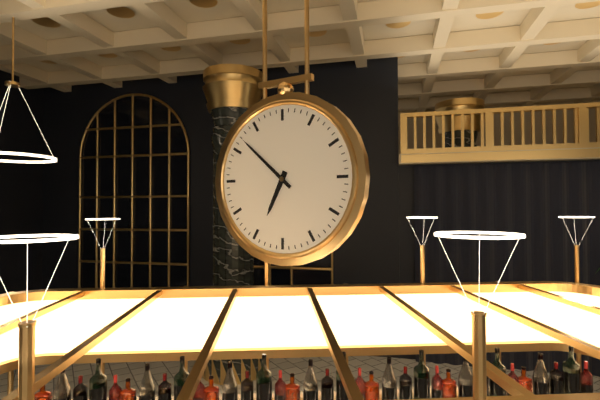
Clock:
6.52
